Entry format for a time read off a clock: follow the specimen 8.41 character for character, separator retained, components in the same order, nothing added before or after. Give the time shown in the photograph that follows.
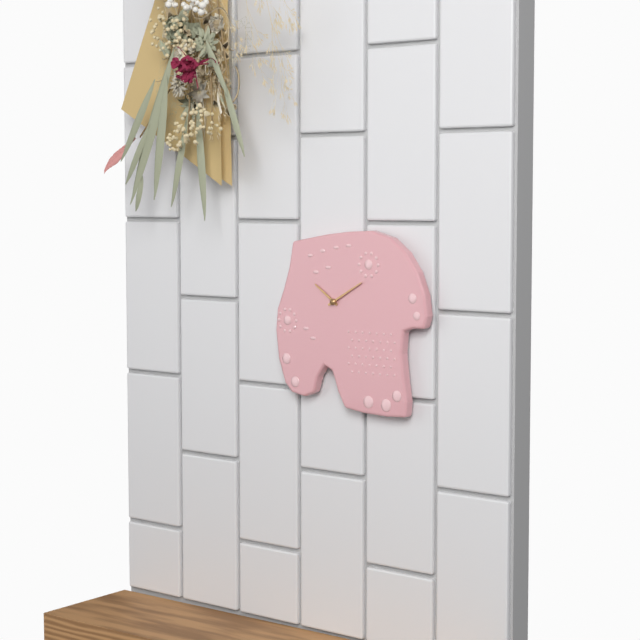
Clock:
10.10
